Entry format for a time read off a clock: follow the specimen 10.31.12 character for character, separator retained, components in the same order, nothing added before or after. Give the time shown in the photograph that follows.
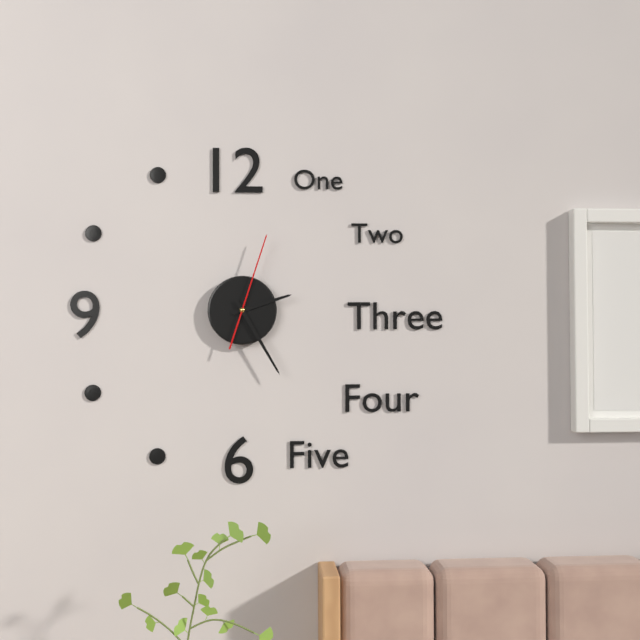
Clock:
2.25.03
